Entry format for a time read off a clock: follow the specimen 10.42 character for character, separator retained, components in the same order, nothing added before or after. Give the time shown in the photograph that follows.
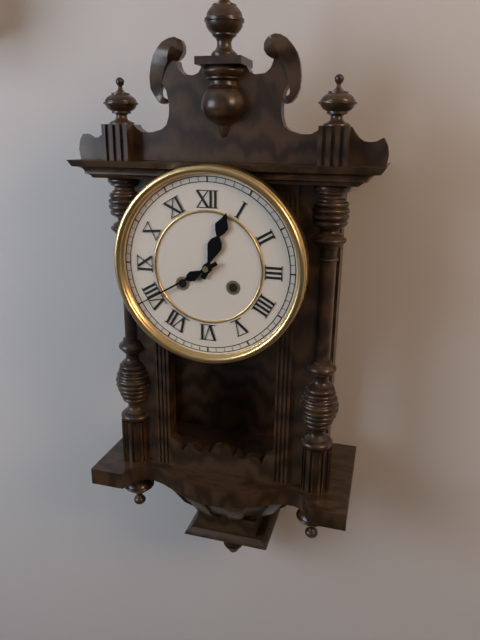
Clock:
12.40
